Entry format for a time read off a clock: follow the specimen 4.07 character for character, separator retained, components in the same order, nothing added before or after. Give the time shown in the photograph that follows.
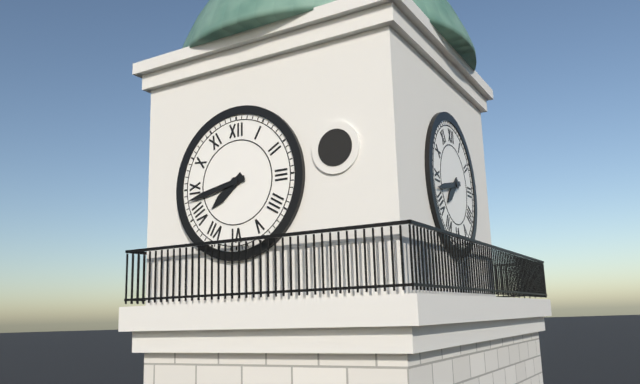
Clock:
7.43
